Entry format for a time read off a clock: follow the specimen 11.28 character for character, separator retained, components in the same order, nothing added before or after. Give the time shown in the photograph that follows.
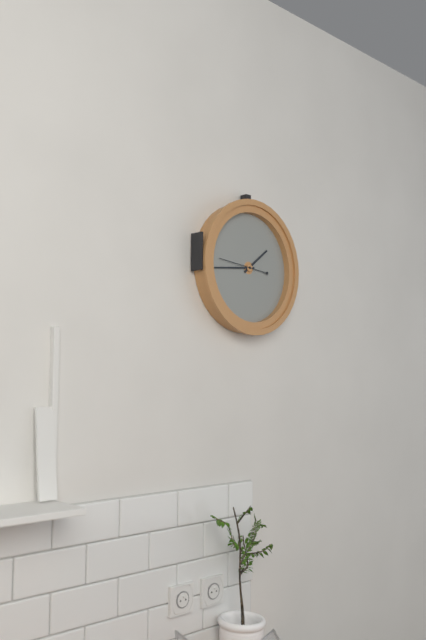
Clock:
1.44
